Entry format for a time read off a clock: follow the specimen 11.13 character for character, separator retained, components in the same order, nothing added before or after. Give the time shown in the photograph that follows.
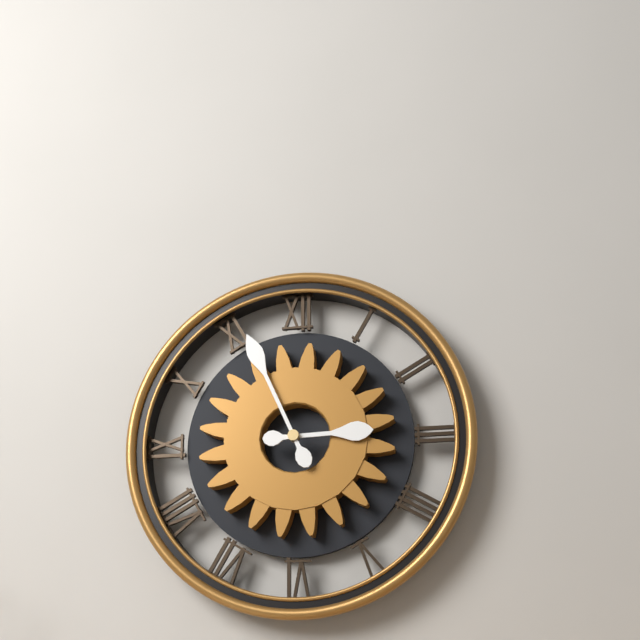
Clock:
2.56
